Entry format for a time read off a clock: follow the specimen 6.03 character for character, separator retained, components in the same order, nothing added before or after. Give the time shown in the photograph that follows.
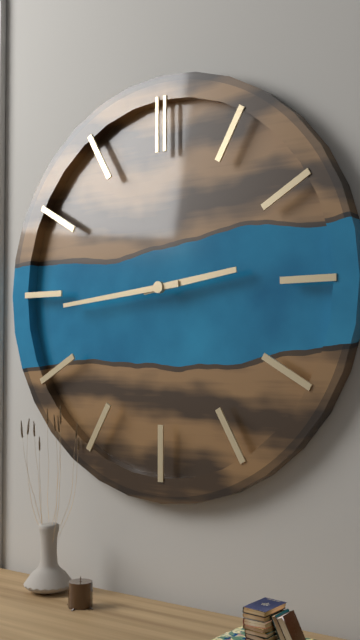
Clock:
2.44
